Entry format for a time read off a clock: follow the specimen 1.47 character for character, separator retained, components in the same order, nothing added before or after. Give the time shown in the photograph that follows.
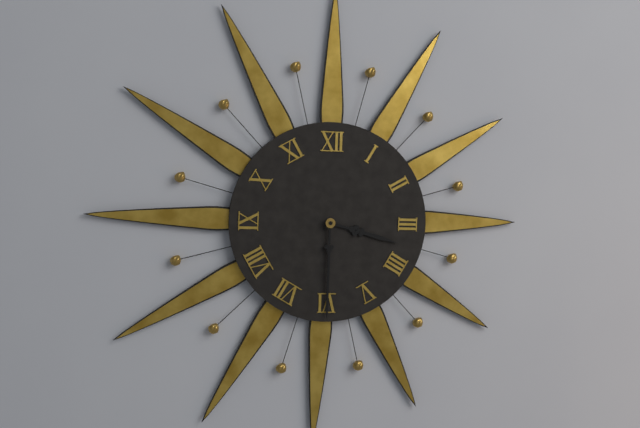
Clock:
3.30
